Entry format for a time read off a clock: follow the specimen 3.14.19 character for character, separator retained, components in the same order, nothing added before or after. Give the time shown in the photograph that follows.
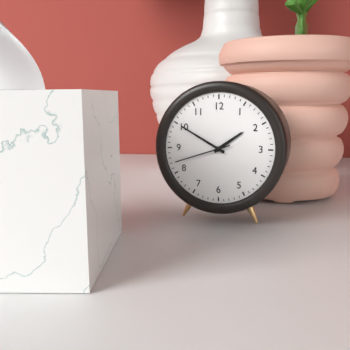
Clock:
1.50.42
